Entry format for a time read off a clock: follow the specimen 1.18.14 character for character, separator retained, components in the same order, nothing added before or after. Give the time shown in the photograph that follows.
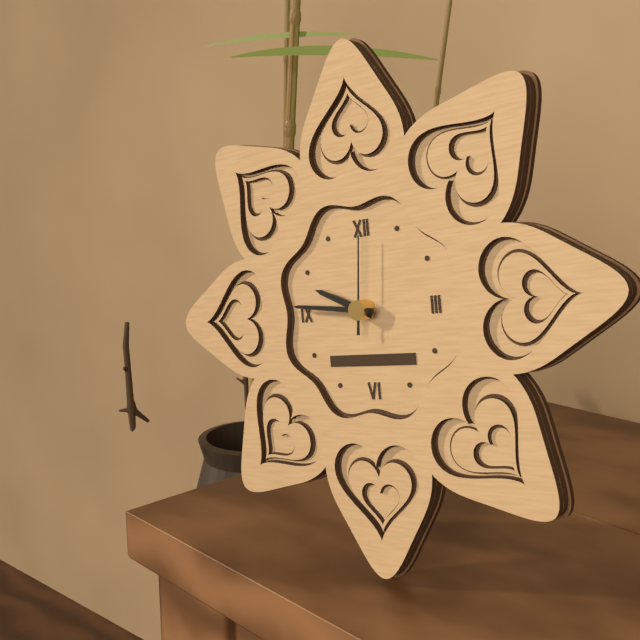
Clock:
9.46.01
